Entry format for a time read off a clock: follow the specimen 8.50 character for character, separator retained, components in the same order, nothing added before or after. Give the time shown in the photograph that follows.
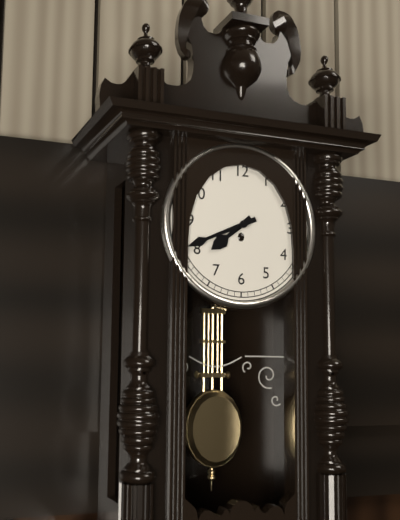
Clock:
7.41
